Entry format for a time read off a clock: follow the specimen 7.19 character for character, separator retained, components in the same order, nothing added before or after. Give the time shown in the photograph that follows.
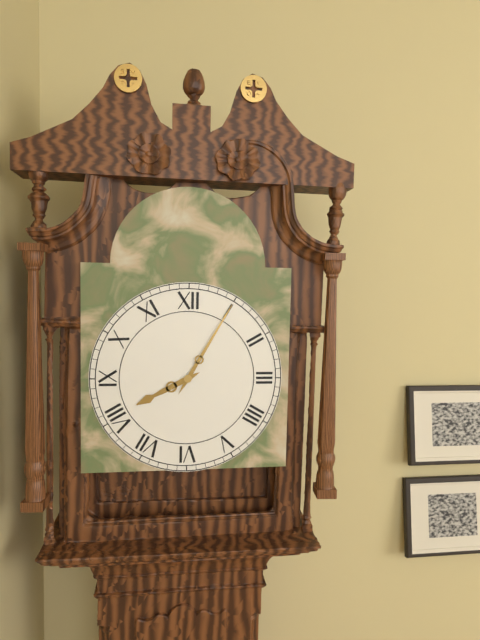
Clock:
8.05
